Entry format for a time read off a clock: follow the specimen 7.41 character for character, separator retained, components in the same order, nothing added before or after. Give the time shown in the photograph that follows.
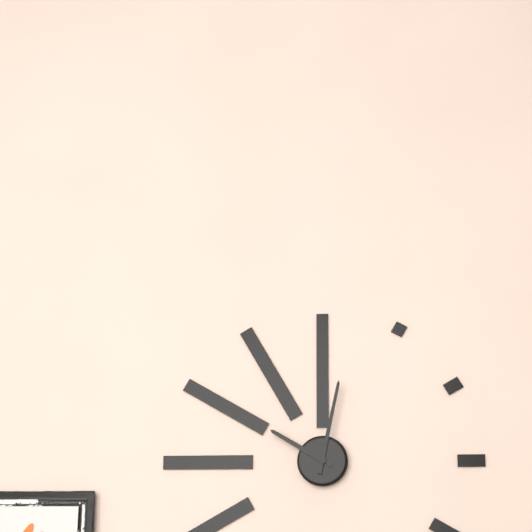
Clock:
10.02
